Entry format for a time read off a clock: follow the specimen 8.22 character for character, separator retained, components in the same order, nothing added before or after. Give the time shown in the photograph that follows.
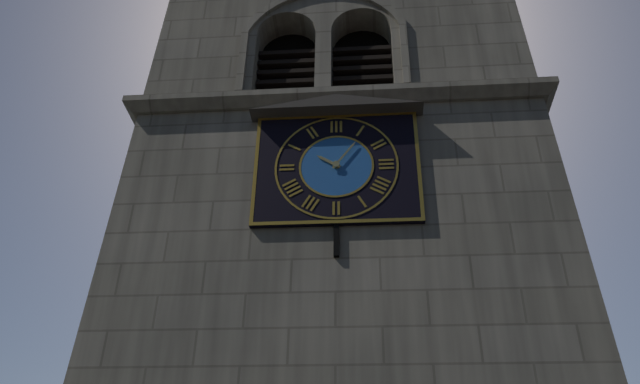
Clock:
10.06
